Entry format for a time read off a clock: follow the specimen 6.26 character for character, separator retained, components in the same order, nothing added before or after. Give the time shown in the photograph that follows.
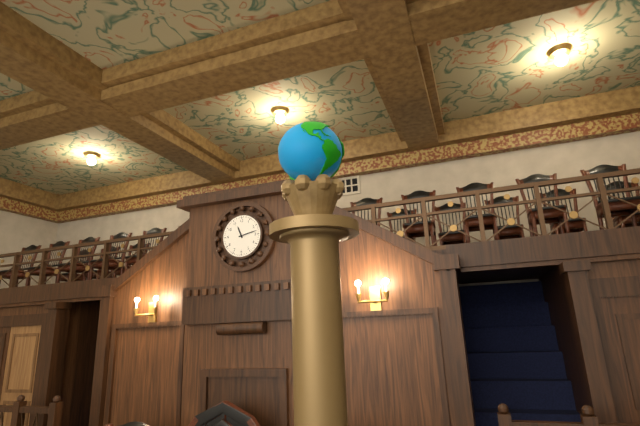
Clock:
11.13
